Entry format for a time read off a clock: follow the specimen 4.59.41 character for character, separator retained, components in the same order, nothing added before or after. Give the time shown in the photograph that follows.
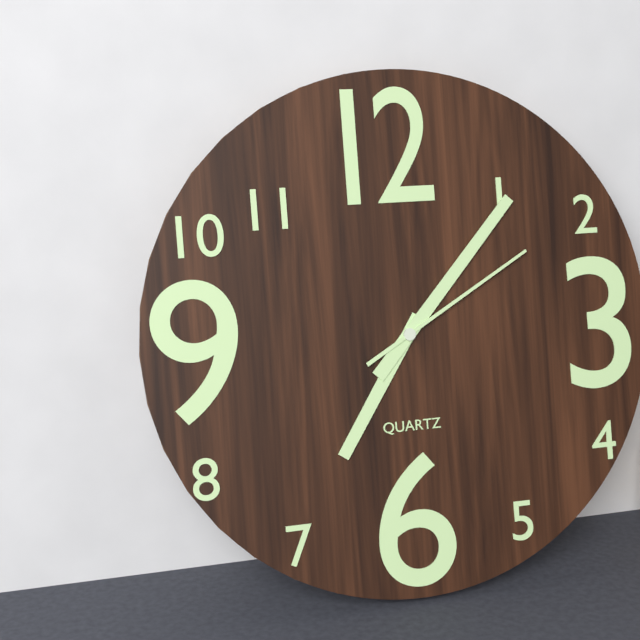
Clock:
7.07.10
